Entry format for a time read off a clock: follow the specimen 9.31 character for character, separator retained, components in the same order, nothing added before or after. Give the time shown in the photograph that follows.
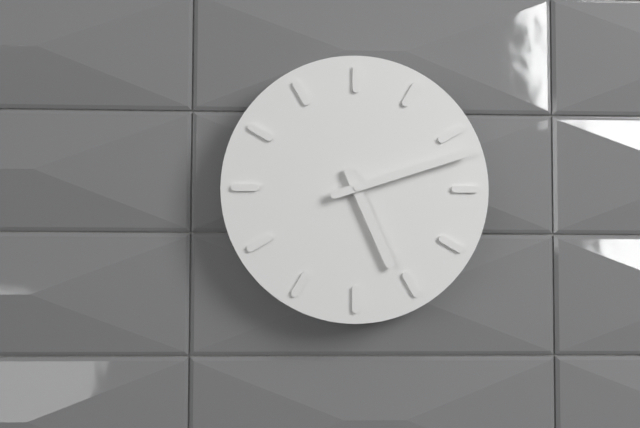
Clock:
5.12
